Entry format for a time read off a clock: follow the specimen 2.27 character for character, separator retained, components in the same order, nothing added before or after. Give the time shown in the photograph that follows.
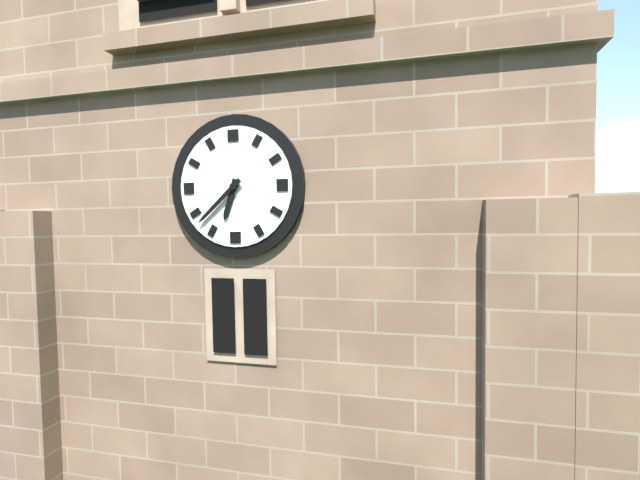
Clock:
6.38
